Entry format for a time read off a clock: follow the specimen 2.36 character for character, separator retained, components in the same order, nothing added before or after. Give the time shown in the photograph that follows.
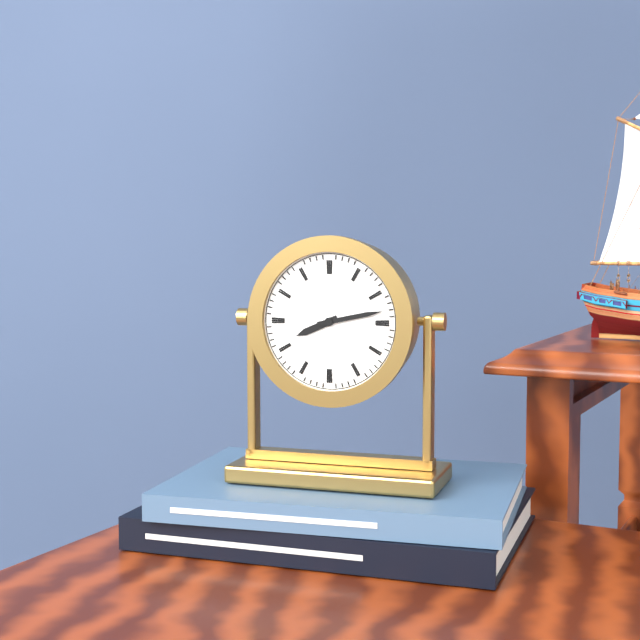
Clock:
8.13
